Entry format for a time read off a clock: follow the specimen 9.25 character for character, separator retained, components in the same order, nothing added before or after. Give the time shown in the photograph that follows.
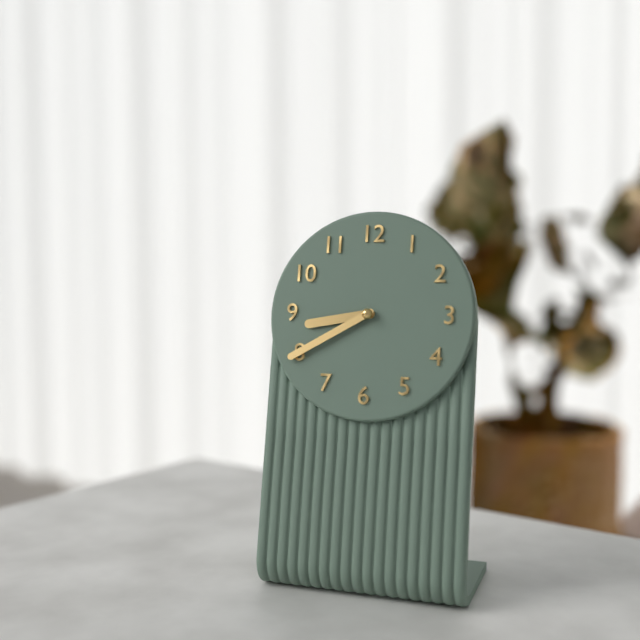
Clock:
8.40
